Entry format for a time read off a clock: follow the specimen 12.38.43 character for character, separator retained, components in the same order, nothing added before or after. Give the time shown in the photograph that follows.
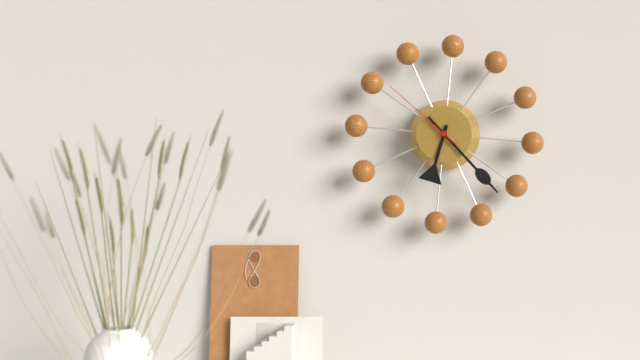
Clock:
6.22.51
